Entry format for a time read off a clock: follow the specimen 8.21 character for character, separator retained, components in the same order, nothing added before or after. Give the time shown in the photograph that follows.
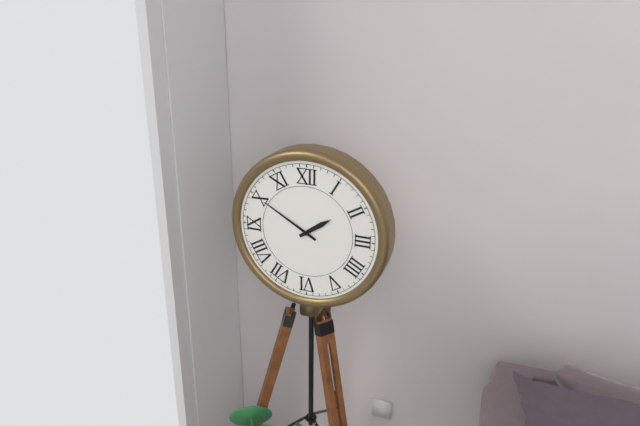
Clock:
1.50
